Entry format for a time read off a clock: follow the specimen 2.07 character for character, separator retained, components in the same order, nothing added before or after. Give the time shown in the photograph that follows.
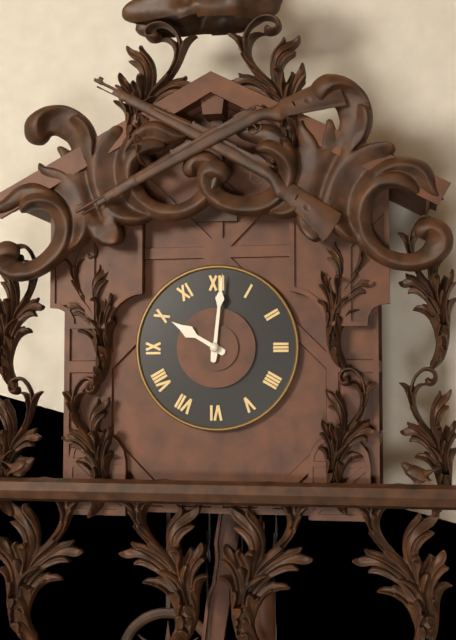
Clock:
10.01
